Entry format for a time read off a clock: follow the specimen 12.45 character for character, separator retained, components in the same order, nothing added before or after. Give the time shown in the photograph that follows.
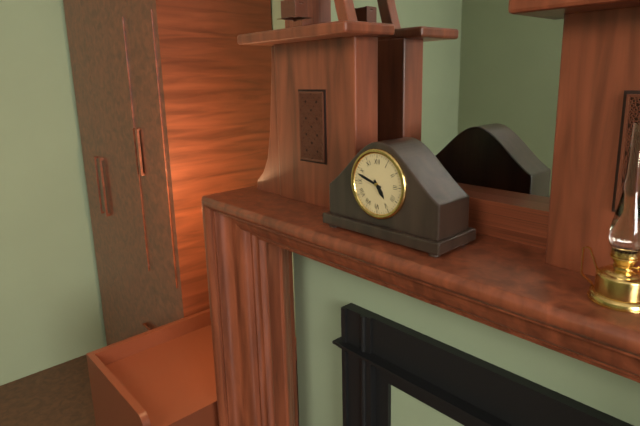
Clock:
4.48
